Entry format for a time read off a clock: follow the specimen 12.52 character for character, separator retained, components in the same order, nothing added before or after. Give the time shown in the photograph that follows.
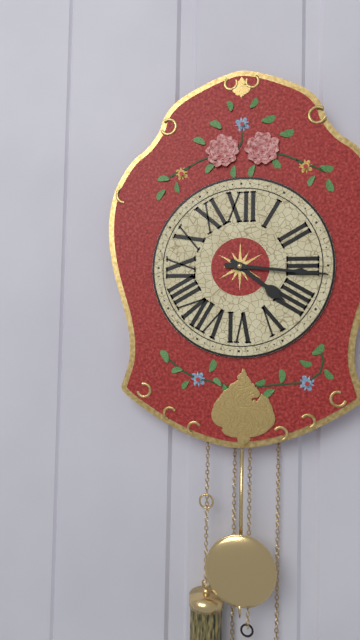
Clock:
4.16
